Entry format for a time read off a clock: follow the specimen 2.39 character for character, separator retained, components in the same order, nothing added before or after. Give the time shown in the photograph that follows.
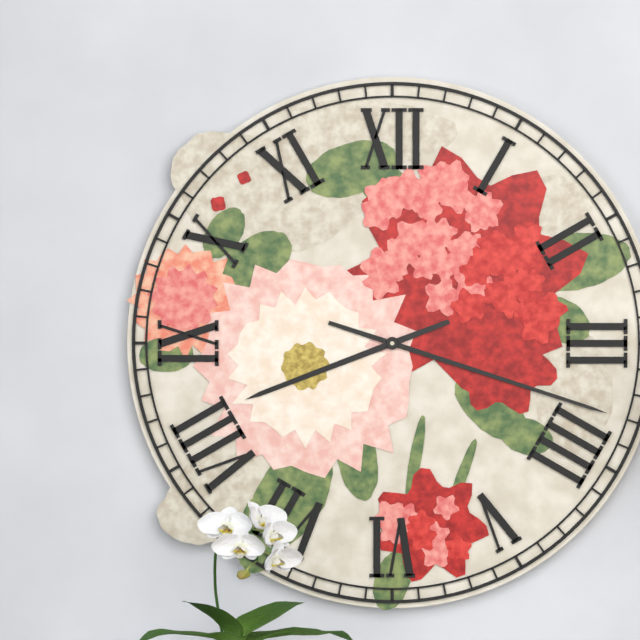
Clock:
8.18
